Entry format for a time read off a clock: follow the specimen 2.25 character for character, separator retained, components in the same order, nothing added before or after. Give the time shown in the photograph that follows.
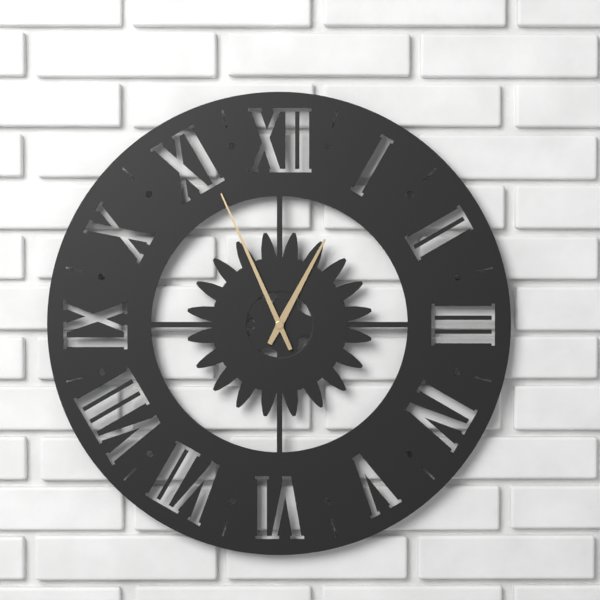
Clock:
12.56
